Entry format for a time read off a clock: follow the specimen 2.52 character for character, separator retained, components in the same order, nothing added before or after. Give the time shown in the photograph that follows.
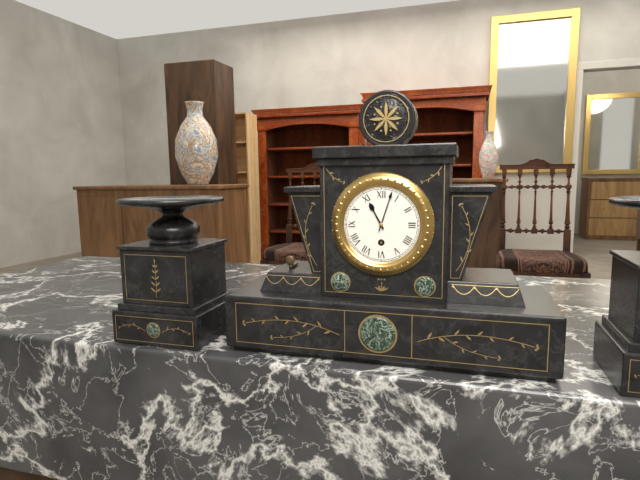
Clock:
11.03
